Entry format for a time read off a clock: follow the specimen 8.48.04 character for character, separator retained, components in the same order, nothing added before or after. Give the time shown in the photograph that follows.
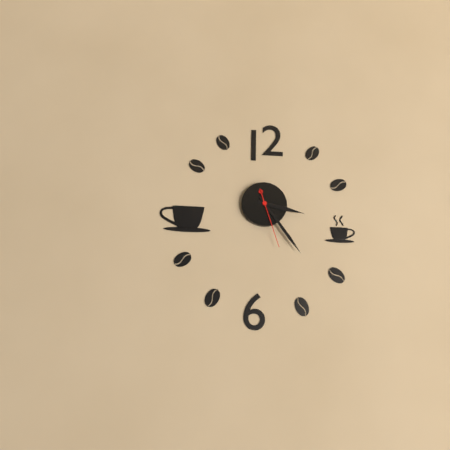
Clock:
3.24.27
